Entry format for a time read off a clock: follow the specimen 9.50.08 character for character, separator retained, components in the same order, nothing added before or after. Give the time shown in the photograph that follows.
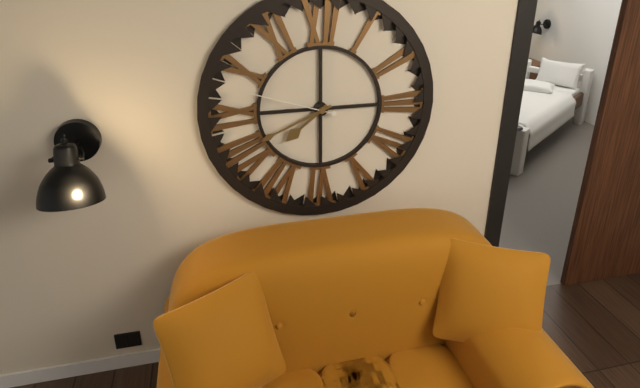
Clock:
7.41.48
